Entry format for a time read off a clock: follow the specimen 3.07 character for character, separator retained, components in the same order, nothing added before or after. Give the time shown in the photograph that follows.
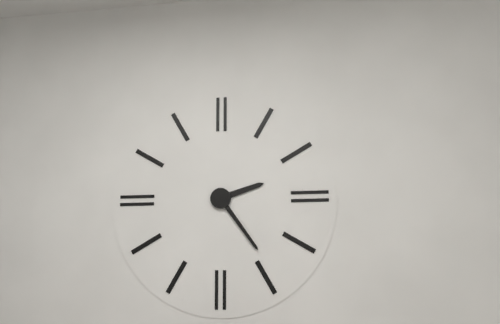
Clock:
2.24
